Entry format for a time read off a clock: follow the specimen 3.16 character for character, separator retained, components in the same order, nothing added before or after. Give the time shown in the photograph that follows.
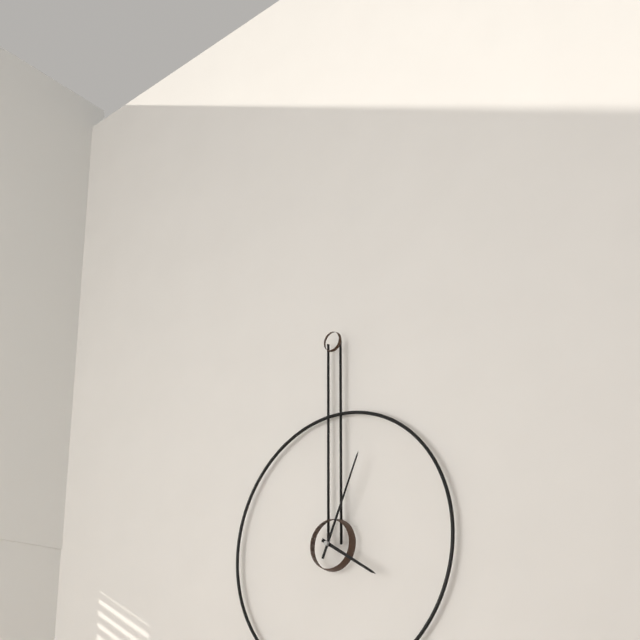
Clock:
4.04
